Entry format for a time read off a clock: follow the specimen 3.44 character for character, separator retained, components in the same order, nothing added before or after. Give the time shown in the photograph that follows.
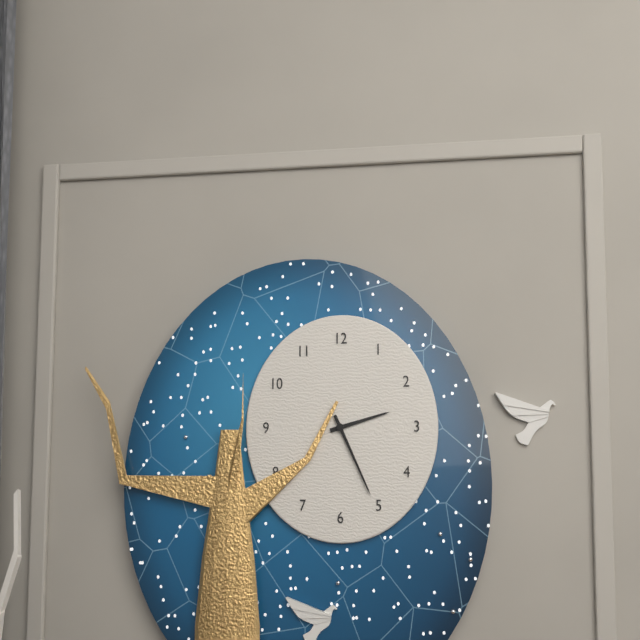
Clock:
2.26
